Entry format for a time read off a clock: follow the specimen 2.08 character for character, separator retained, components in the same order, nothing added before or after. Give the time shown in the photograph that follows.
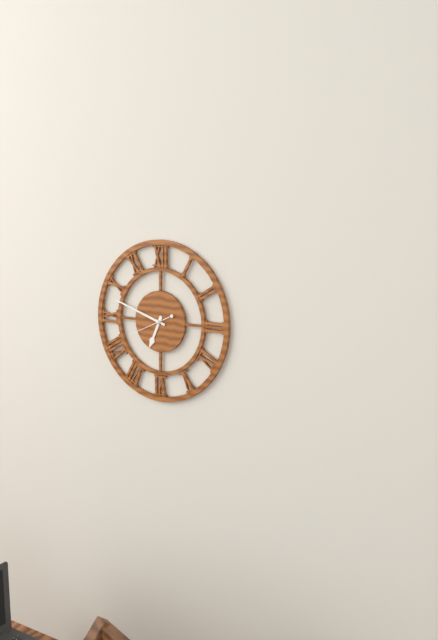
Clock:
6.48
